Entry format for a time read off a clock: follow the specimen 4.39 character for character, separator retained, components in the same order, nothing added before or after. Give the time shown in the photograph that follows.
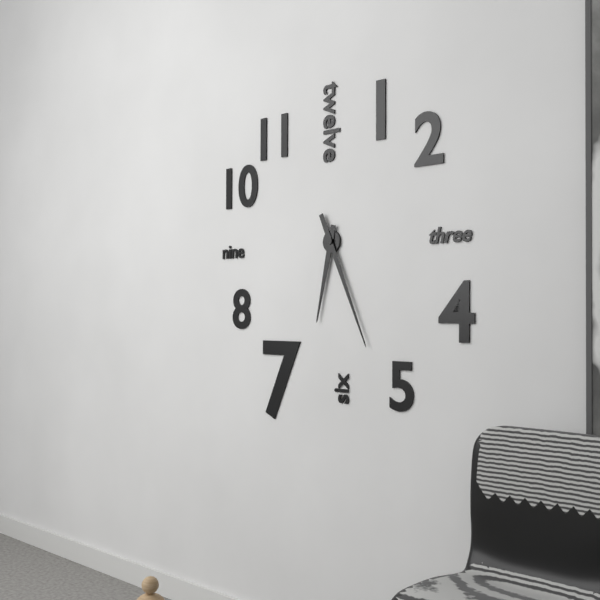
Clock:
6.26
